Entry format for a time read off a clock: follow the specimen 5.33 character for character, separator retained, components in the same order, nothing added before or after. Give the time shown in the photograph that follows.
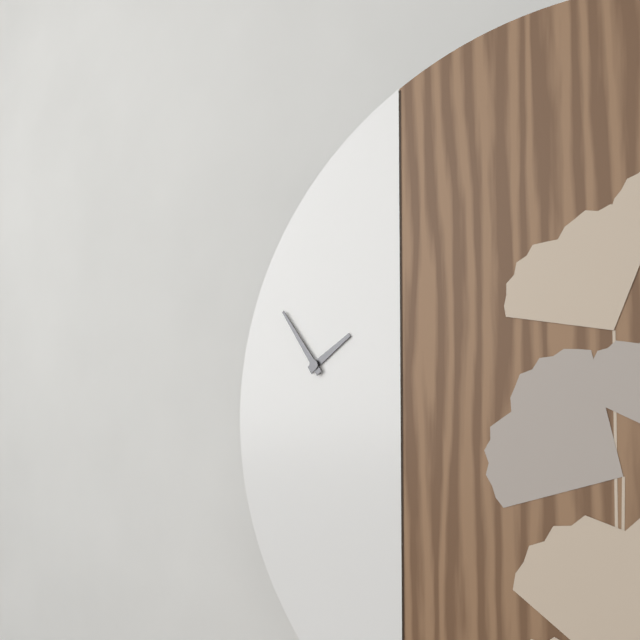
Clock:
1.54
